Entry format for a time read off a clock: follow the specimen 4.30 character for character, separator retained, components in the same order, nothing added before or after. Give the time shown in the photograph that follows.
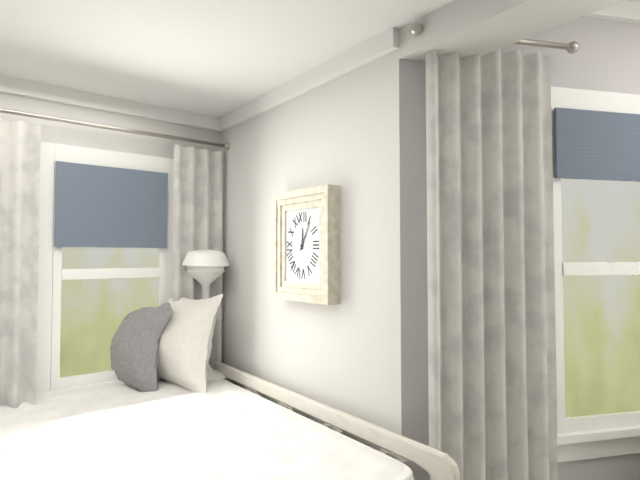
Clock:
12.05
